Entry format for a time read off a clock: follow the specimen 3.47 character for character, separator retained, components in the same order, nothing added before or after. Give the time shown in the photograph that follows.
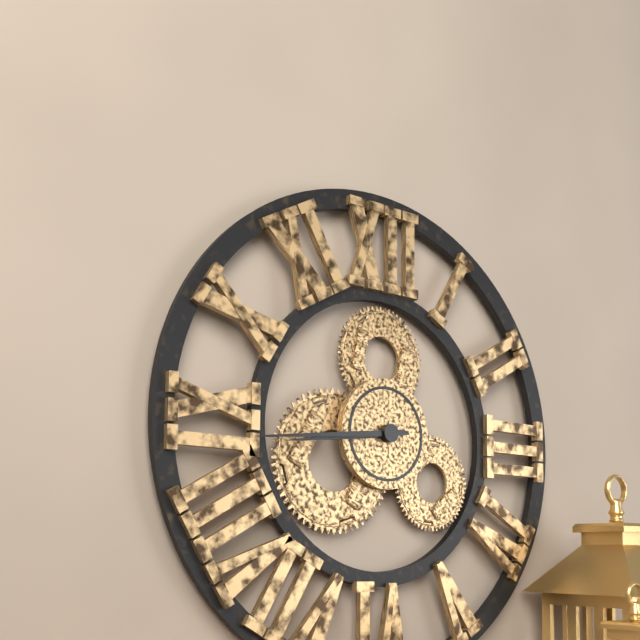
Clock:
8.44
